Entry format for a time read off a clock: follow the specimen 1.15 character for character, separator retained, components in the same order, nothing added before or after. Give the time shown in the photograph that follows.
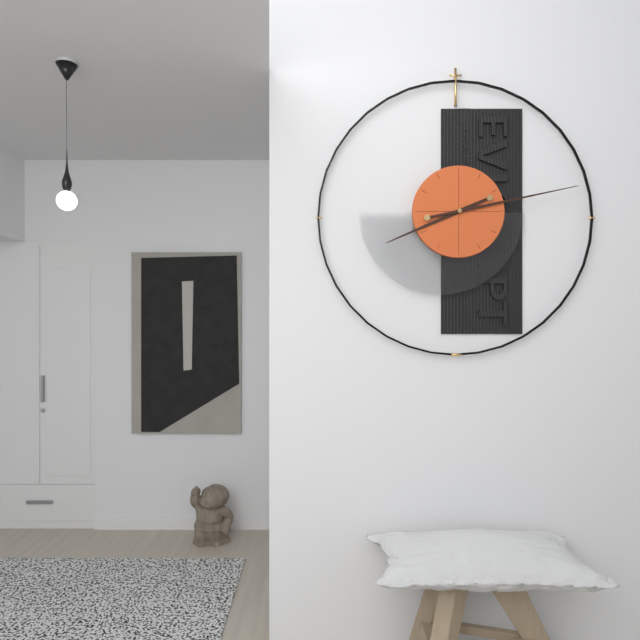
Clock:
8.13
